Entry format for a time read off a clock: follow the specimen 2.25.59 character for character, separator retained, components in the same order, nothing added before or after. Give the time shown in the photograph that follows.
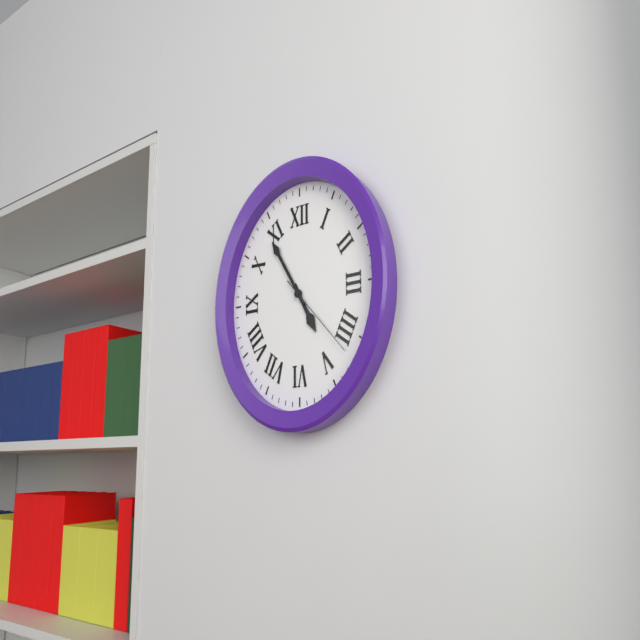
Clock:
4.54.22
